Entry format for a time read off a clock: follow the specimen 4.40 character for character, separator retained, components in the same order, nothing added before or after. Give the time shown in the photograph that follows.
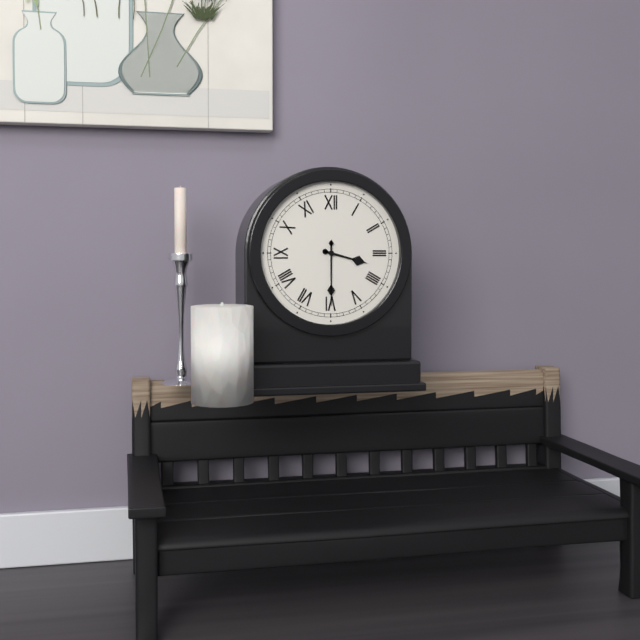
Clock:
3.30
